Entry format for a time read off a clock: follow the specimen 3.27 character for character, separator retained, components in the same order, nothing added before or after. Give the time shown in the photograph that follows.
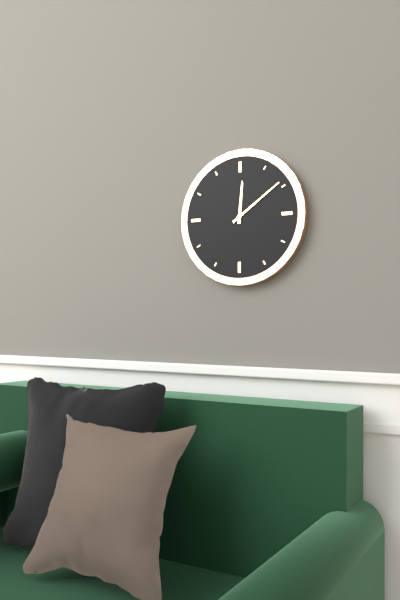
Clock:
12.09
